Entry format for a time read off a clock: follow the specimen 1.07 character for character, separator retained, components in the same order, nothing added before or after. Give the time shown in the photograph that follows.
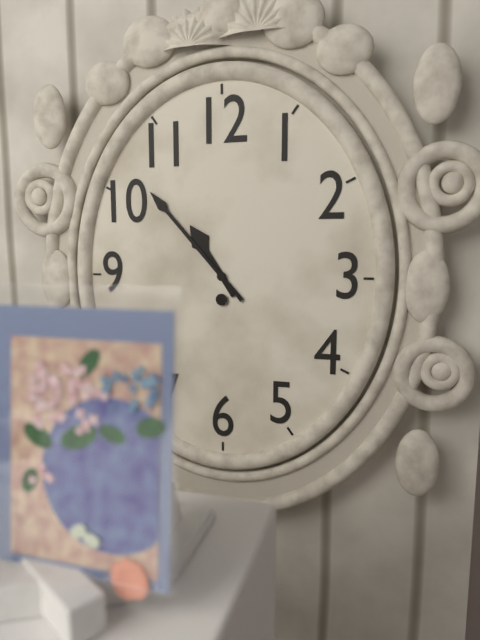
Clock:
10.53
